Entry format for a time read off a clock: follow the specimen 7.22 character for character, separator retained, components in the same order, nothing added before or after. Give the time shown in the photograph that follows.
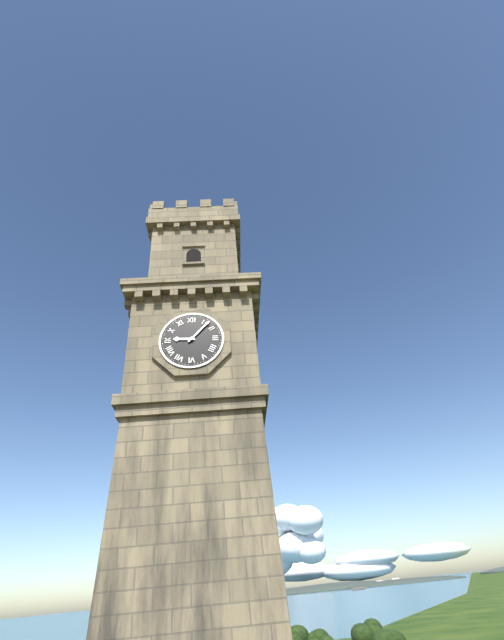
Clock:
9.07
